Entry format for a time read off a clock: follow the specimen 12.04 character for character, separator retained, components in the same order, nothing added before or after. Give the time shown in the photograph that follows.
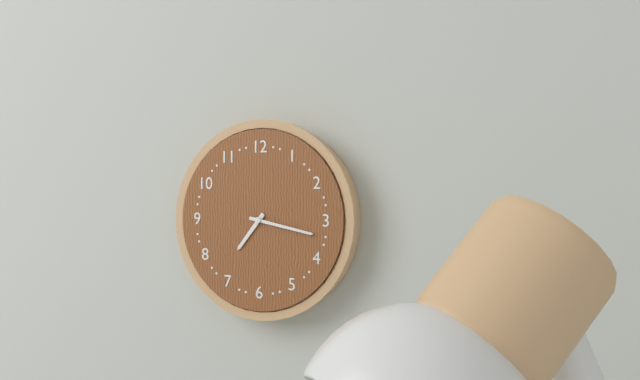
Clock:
7.17
